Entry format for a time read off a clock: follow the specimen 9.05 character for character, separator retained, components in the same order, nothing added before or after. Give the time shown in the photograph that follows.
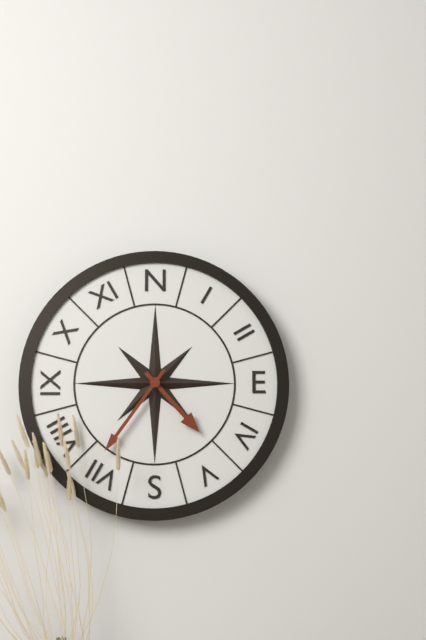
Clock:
4.36
